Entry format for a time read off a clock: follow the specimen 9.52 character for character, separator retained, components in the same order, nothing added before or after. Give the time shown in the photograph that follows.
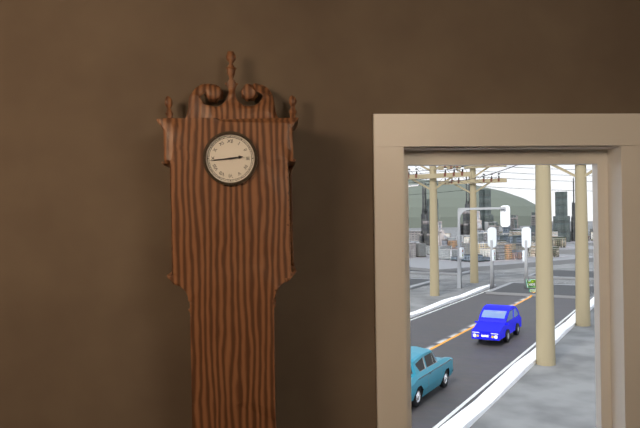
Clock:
2.44
